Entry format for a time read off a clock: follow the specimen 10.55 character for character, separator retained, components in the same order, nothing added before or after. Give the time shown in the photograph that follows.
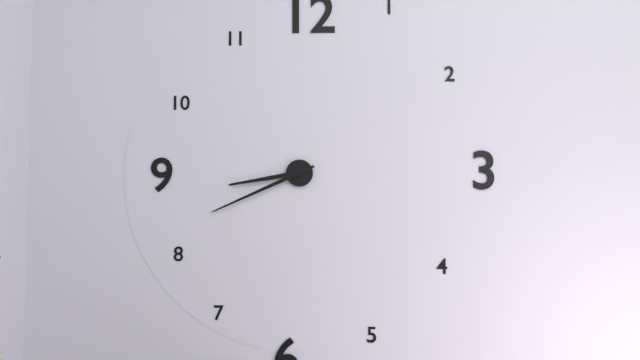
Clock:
8.41
